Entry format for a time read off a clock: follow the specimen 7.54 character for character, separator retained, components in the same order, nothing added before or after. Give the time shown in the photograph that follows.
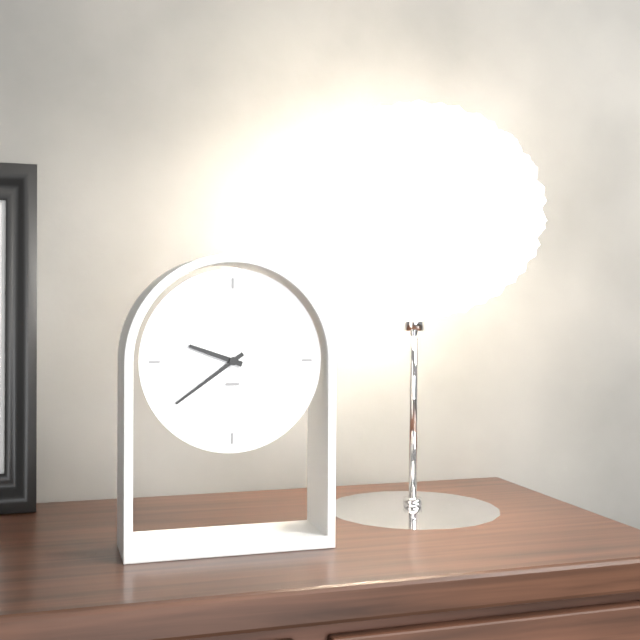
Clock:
9.39
